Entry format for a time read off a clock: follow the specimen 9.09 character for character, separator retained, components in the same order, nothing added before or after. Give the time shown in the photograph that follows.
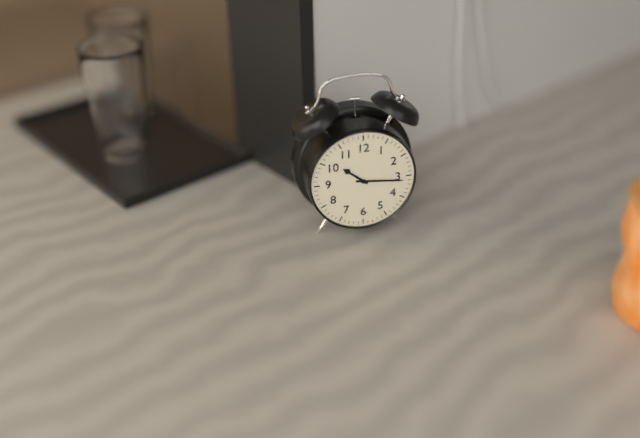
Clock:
10.16
